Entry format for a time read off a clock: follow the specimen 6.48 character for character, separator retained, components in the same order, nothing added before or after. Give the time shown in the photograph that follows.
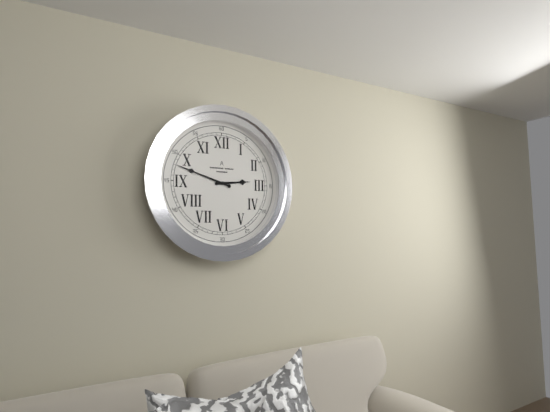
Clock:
2.48
